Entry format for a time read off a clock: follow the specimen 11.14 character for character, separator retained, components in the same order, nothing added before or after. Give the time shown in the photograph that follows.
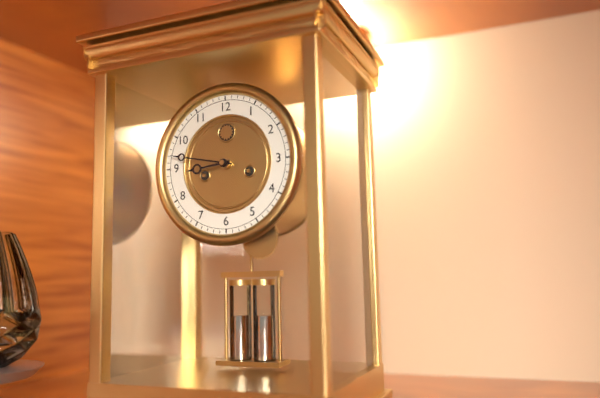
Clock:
8.47
